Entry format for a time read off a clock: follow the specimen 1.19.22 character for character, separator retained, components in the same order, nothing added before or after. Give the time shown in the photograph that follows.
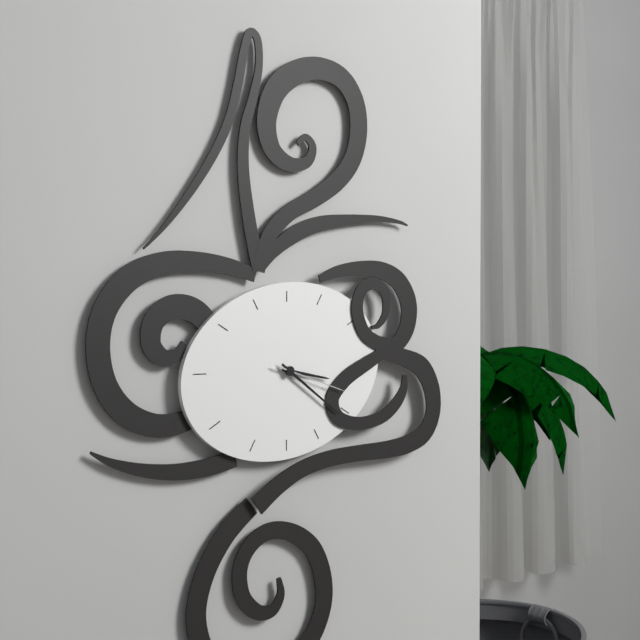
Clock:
3.21.18
